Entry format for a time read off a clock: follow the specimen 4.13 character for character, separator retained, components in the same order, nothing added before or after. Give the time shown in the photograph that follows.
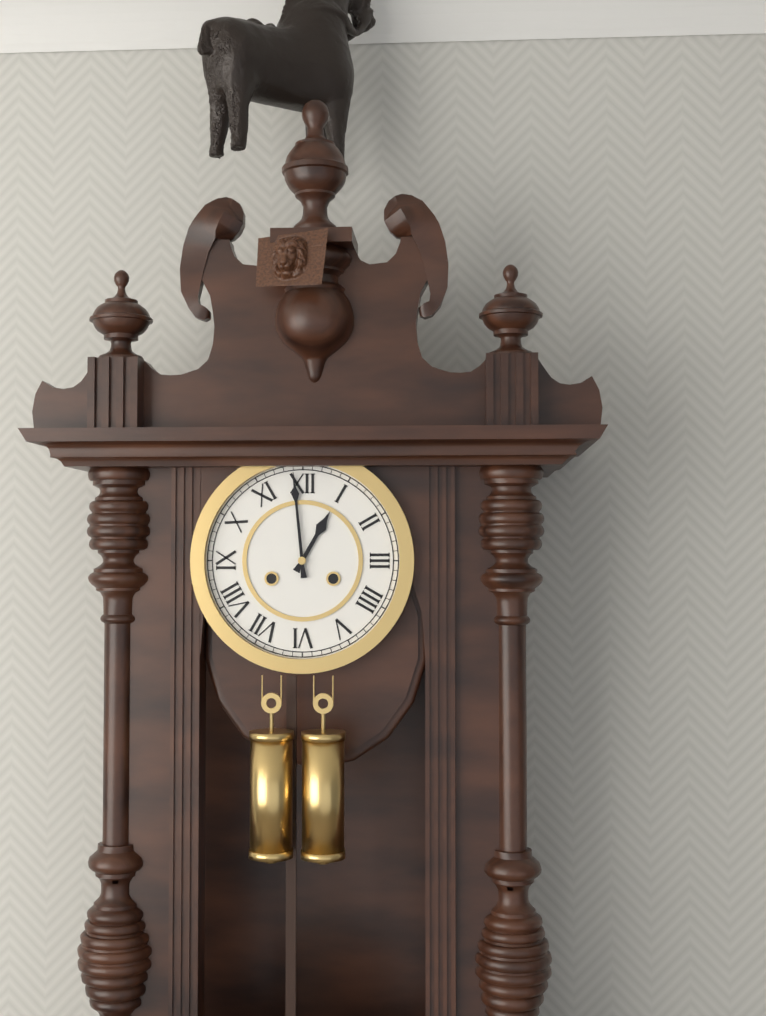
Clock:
12.59
